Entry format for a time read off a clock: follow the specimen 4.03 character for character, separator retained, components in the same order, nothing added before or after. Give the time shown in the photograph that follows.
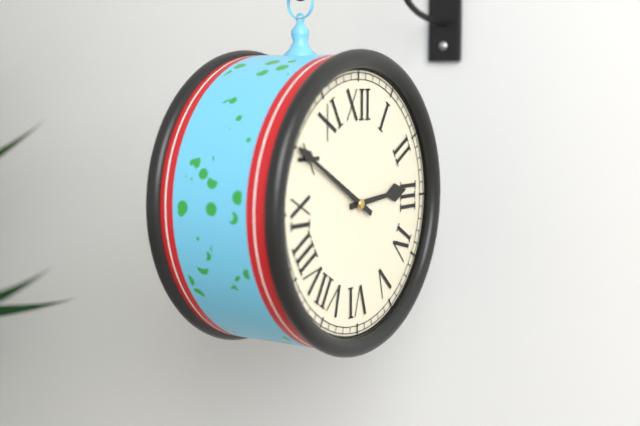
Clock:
2.50
